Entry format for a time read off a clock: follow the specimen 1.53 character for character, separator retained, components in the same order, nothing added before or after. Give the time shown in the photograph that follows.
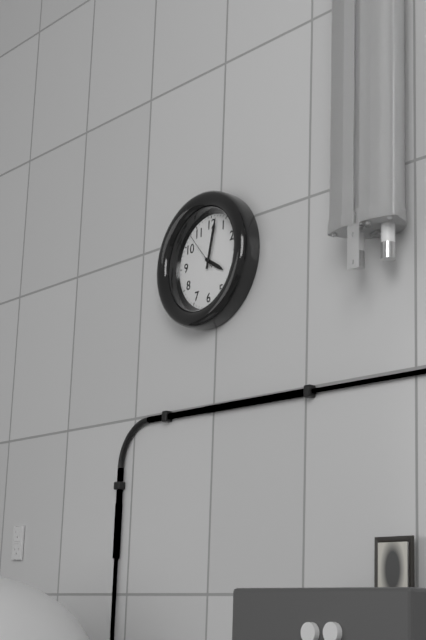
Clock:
4.02
